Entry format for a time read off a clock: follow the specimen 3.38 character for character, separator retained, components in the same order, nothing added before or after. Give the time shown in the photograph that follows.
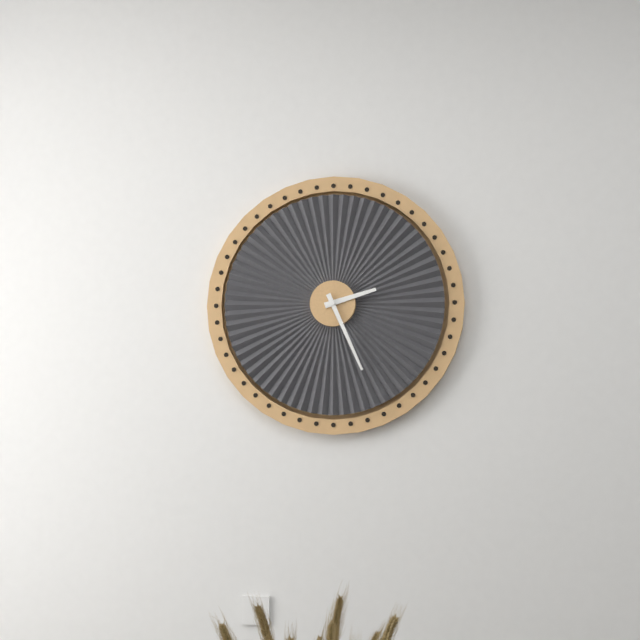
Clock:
2.26
